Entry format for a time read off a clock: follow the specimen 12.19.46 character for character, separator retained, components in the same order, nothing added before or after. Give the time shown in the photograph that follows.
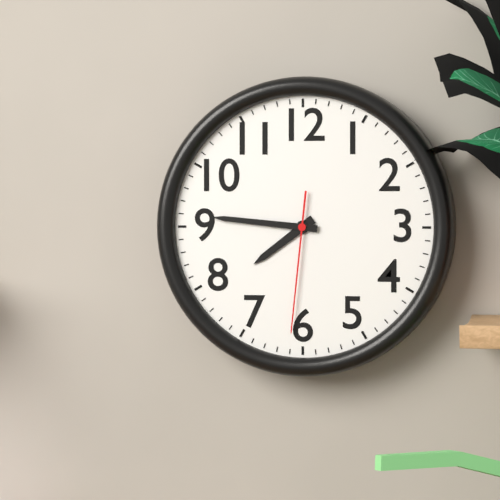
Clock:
7.46.31
